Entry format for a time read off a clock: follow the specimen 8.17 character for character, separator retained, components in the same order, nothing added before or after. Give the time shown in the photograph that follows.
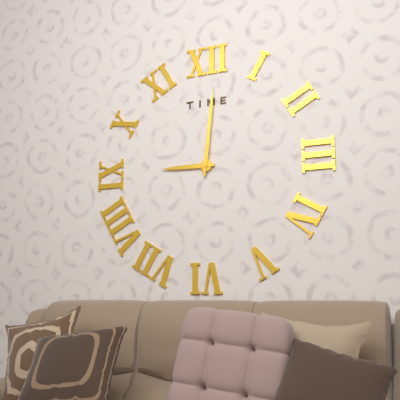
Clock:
9.01
